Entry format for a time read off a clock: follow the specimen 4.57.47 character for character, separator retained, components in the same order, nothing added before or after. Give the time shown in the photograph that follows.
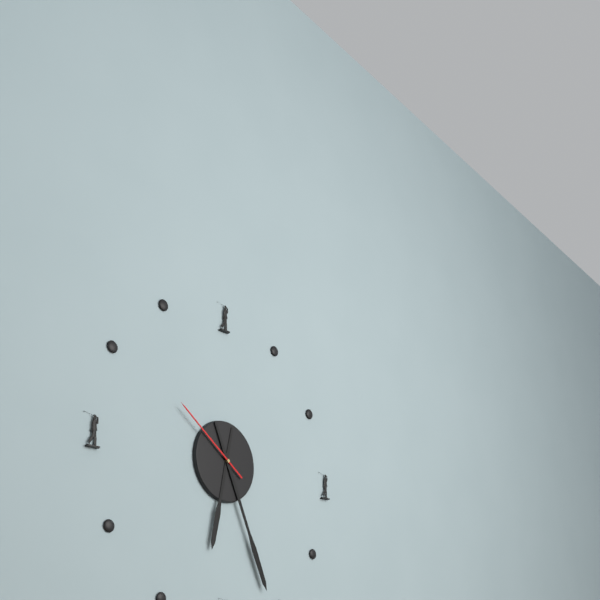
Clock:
6.26.51
